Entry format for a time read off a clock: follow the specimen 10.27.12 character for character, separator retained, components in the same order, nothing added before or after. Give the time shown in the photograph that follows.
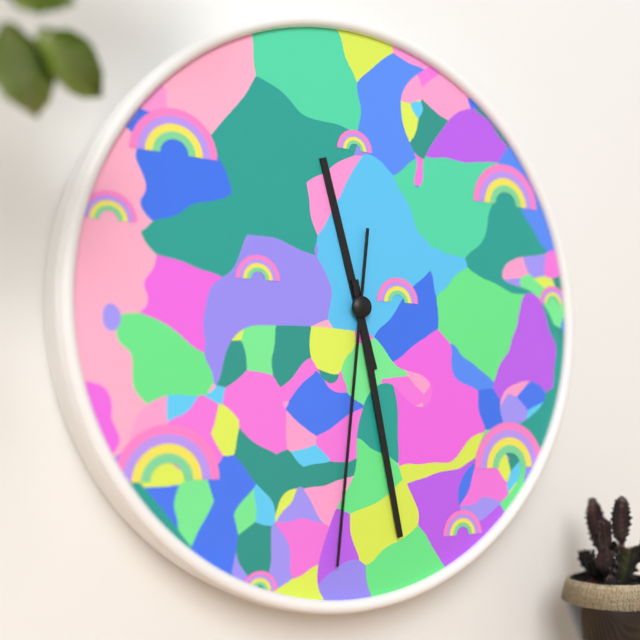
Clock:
11.28.31
